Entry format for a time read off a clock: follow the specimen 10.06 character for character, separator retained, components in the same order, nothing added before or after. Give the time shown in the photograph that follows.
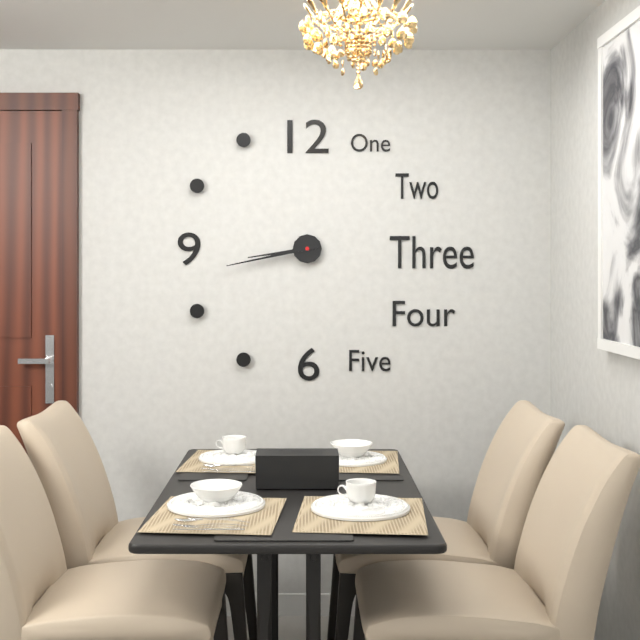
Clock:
8.43
